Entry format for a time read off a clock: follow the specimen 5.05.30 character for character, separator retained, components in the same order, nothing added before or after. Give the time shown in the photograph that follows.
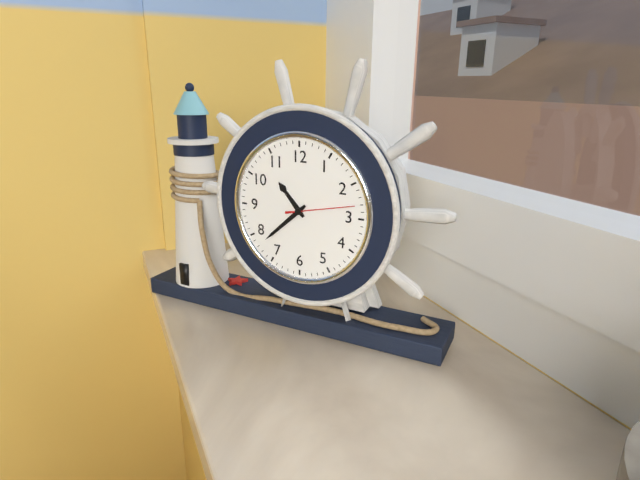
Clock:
10.38.13
